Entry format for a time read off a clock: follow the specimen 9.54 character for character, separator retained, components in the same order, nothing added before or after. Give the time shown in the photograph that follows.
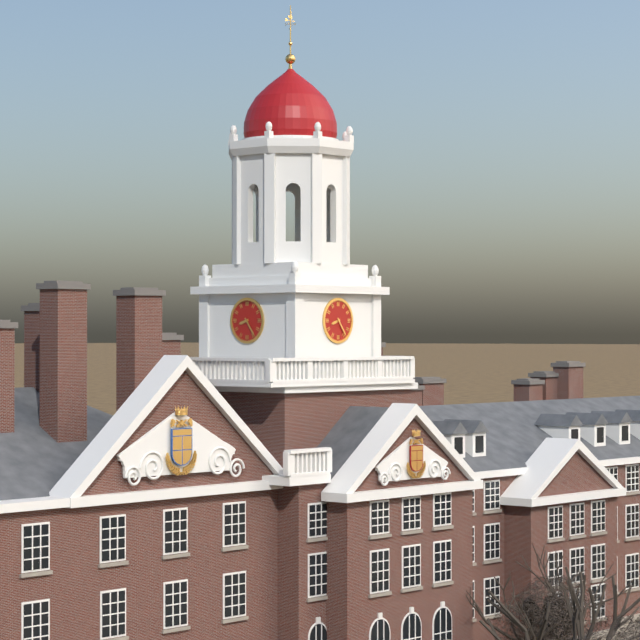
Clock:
8.24
